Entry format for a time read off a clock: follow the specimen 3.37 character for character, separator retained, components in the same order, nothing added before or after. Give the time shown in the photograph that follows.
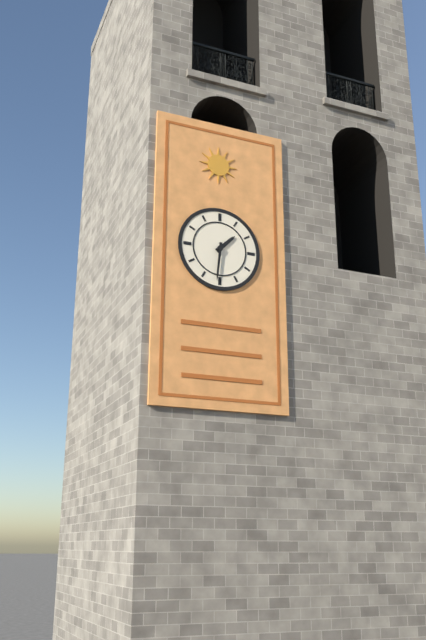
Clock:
1.31
